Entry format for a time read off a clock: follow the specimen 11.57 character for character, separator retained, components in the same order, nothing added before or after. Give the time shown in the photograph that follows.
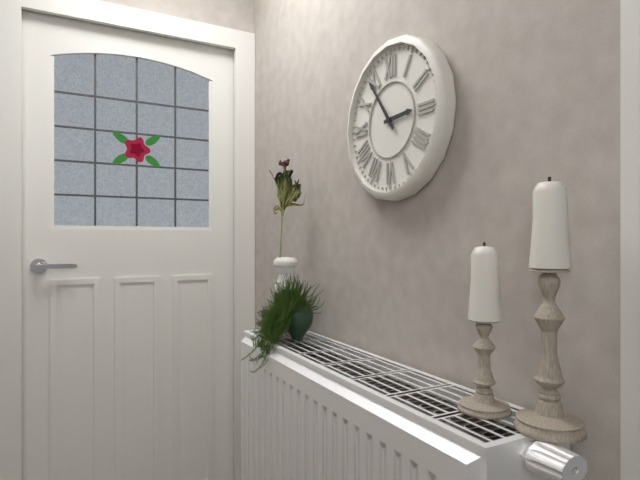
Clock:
2.54
